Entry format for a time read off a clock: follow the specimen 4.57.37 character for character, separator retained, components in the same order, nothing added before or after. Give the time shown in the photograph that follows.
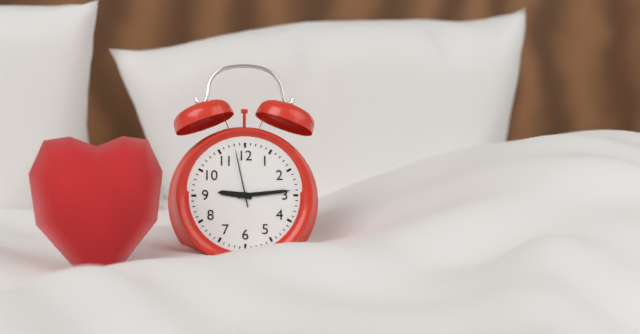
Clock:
9.14.58
